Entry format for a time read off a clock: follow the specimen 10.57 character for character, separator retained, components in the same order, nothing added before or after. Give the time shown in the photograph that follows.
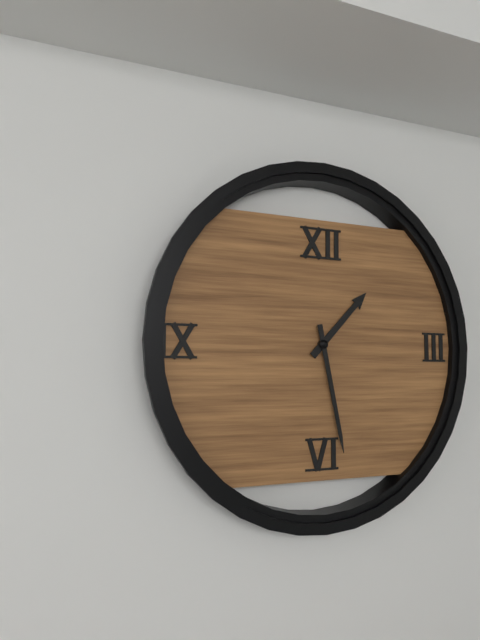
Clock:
1.28
